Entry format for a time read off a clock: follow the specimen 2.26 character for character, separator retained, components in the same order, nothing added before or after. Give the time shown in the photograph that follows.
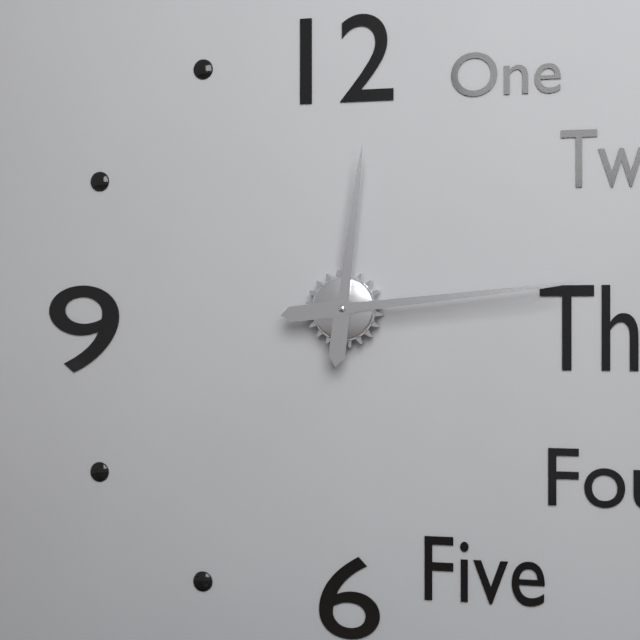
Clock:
12.14
